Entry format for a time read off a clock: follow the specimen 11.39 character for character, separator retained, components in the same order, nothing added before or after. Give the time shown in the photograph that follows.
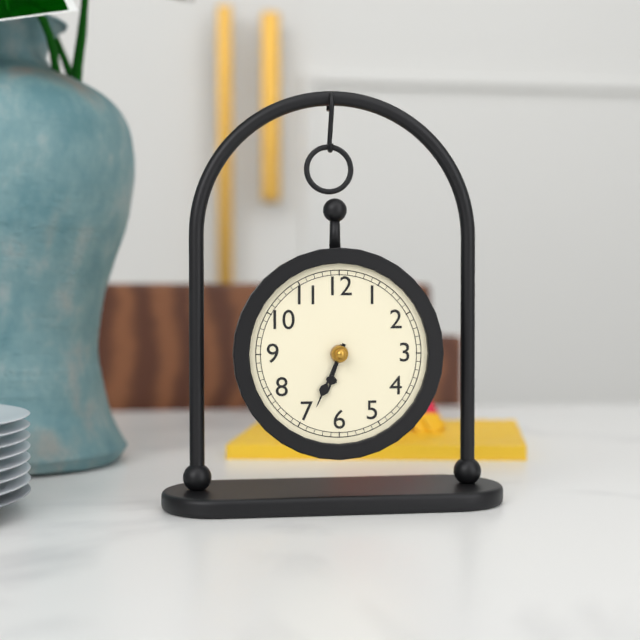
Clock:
6.34
